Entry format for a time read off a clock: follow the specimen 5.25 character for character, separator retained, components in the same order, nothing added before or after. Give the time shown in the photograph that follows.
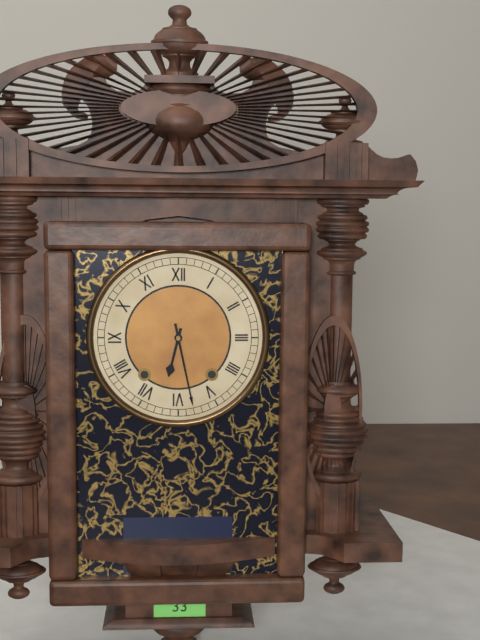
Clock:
6.28
